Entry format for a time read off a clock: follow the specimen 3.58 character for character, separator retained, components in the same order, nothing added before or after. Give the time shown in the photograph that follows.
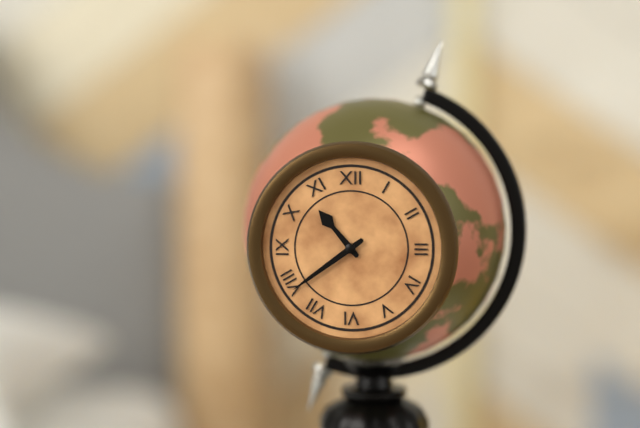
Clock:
10.39
